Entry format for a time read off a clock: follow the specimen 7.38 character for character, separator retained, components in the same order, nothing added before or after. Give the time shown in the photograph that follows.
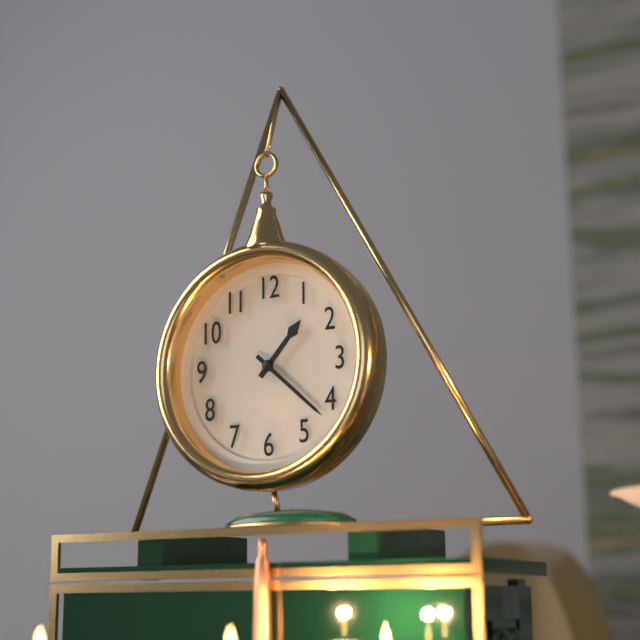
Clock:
1.22
